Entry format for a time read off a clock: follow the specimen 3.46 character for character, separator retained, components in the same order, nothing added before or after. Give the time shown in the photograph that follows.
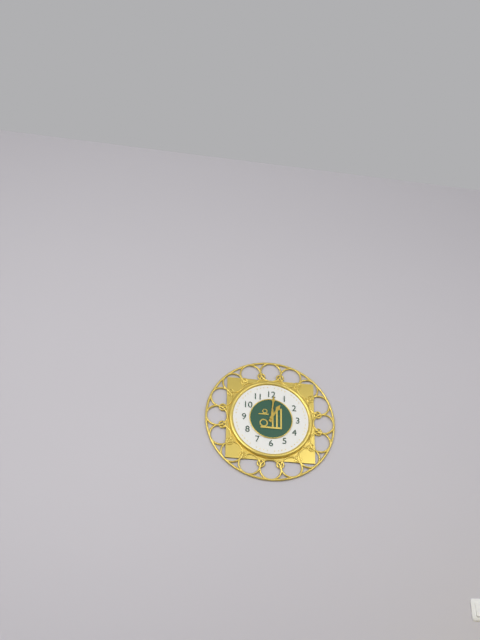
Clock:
1.01
